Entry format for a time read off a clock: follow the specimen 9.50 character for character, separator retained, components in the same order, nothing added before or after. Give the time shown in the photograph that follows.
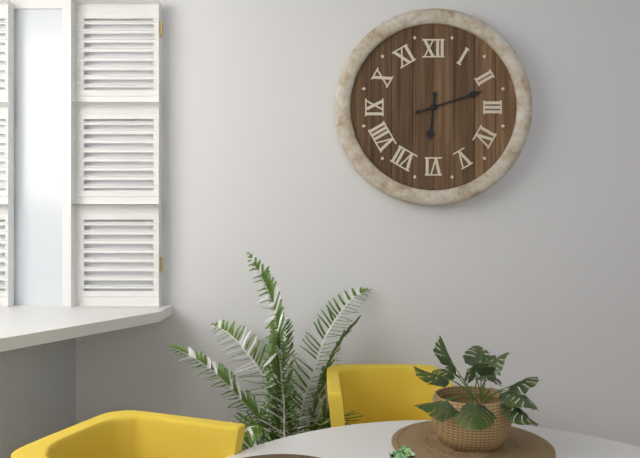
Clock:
6.12
